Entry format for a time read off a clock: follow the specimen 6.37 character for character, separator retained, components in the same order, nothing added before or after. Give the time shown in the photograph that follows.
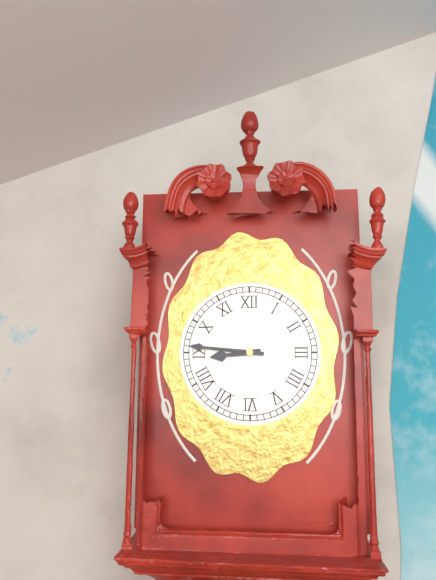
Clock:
8.46
